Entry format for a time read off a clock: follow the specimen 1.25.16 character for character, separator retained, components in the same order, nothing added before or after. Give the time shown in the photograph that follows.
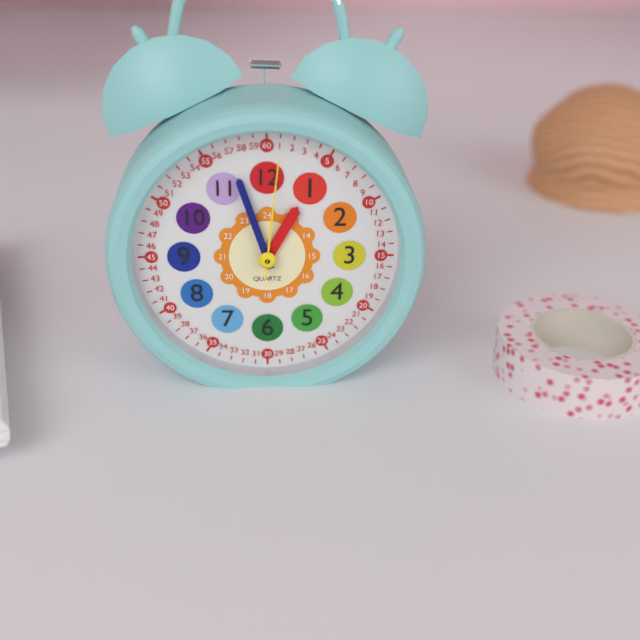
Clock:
12.57.01
